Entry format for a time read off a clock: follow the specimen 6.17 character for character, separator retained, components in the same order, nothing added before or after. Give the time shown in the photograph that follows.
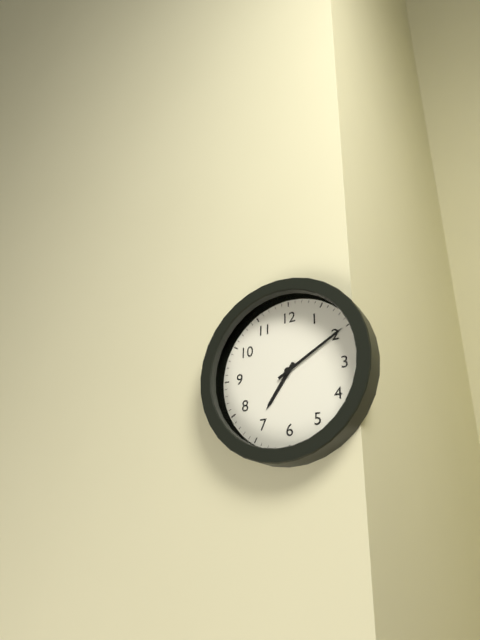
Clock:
7.10
